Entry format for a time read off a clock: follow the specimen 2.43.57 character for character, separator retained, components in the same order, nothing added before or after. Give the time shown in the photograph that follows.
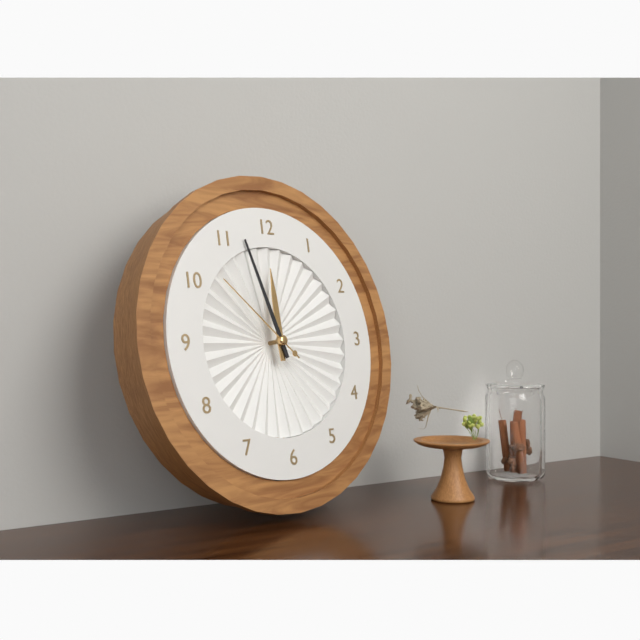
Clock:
11.57.52
